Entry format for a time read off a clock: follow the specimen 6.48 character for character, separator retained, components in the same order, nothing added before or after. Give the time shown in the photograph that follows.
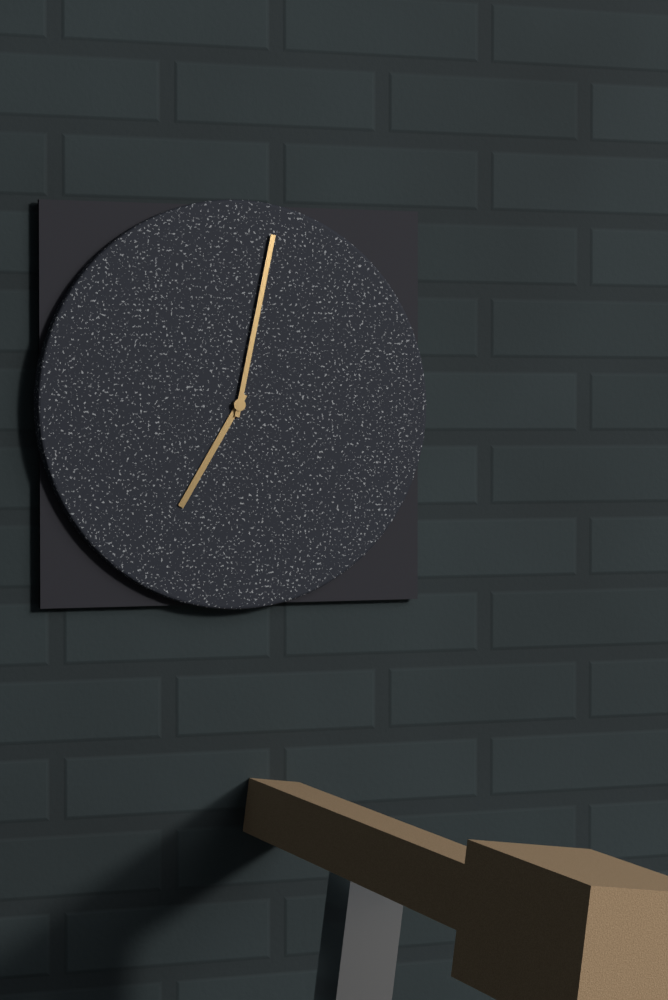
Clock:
7.02
